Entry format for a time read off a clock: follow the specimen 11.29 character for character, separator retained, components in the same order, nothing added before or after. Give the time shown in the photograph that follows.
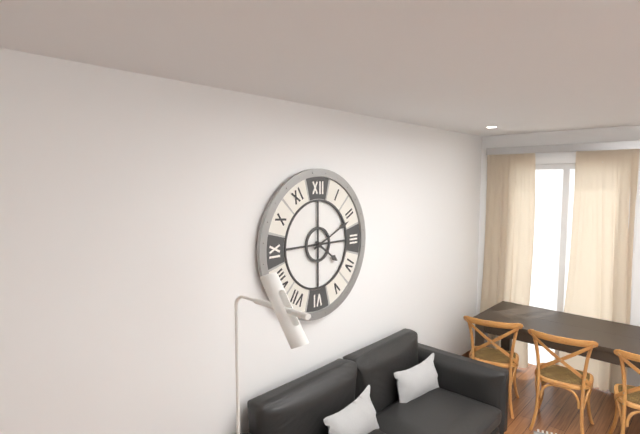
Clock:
4.11
